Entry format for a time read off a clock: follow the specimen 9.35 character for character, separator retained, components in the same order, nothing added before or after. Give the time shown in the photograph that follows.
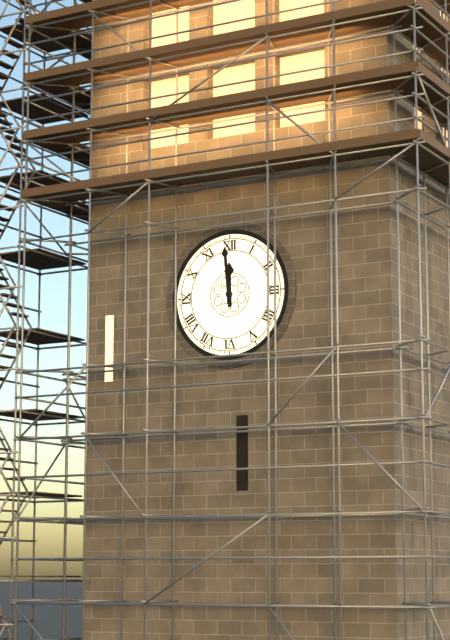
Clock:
11.59
